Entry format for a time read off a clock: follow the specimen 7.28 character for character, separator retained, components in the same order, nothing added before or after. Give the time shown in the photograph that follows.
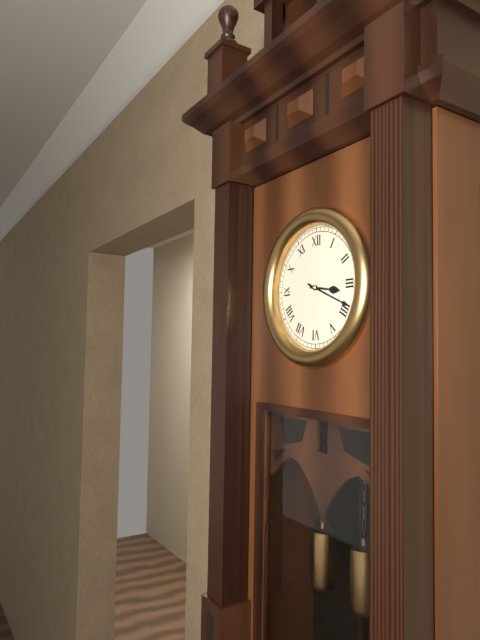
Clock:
3.19
